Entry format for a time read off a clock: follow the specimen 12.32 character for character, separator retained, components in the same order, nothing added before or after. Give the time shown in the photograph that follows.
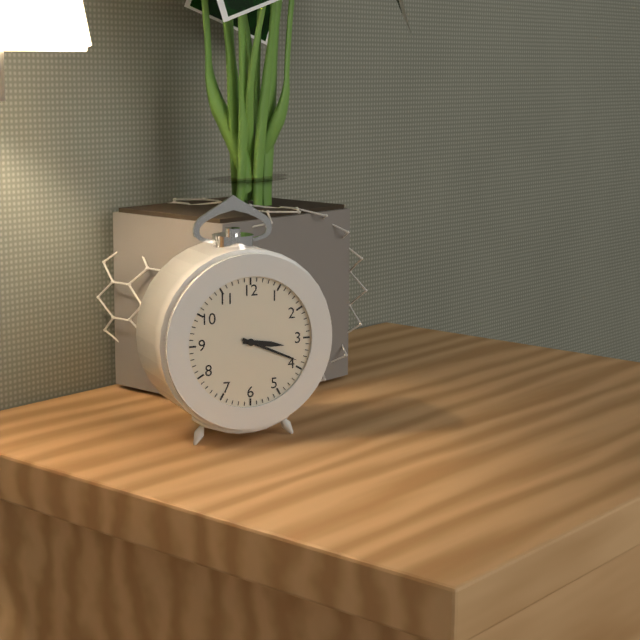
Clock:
3.19
